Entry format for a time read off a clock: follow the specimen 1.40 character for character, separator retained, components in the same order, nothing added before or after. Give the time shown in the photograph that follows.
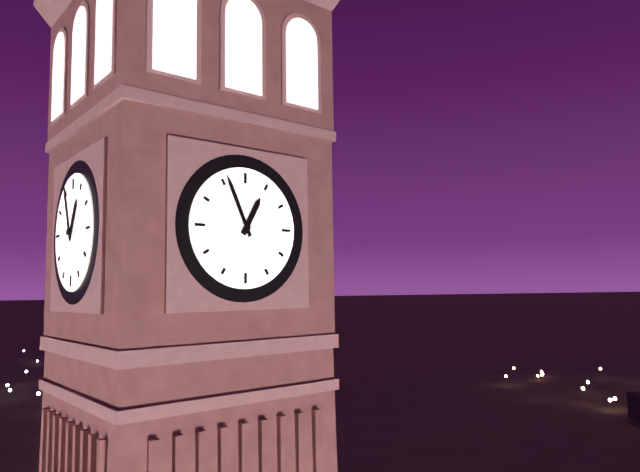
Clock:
12.56
